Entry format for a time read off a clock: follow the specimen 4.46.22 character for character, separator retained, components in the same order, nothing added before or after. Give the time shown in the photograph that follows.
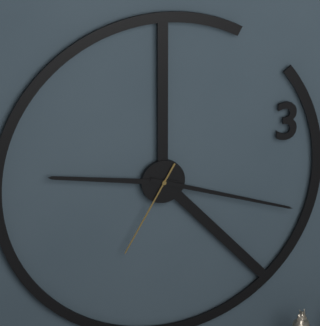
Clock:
9.18.35
